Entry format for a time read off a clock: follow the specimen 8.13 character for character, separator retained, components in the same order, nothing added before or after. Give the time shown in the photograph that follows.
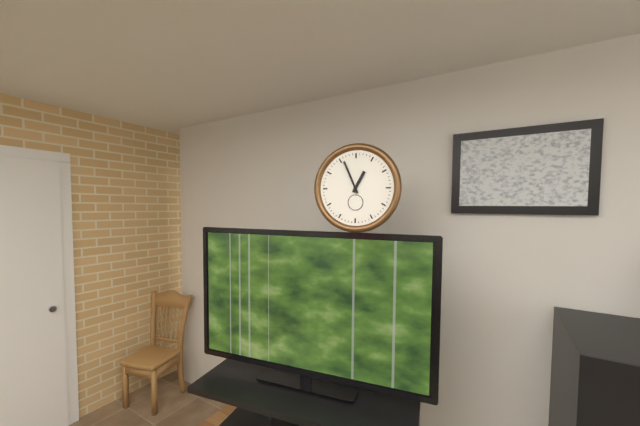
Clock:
12.56
